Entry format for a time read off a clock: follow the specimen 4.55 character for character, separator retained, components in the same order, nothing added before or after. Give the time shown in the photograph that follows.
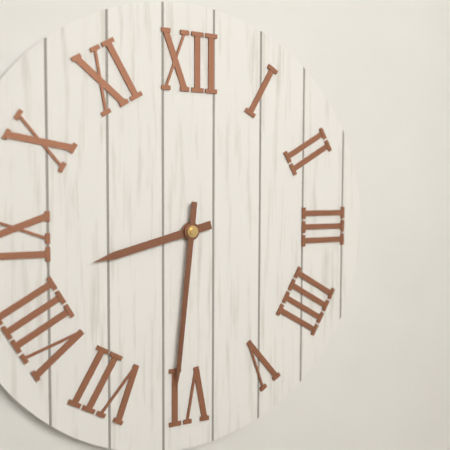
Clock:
8.31
